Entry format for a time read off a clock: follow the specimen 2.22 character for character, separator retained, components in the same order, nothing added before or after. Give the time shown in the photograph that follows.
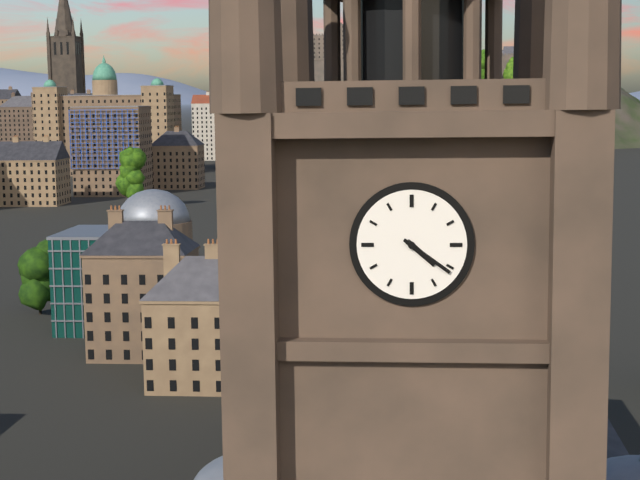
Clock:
4.21
